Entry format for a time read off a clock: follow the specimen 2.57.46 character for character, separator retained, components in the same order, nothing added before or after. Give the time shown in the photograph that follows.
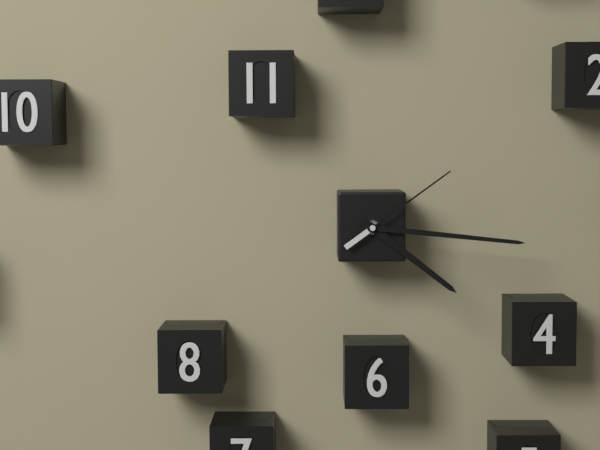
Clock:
4.16.09
